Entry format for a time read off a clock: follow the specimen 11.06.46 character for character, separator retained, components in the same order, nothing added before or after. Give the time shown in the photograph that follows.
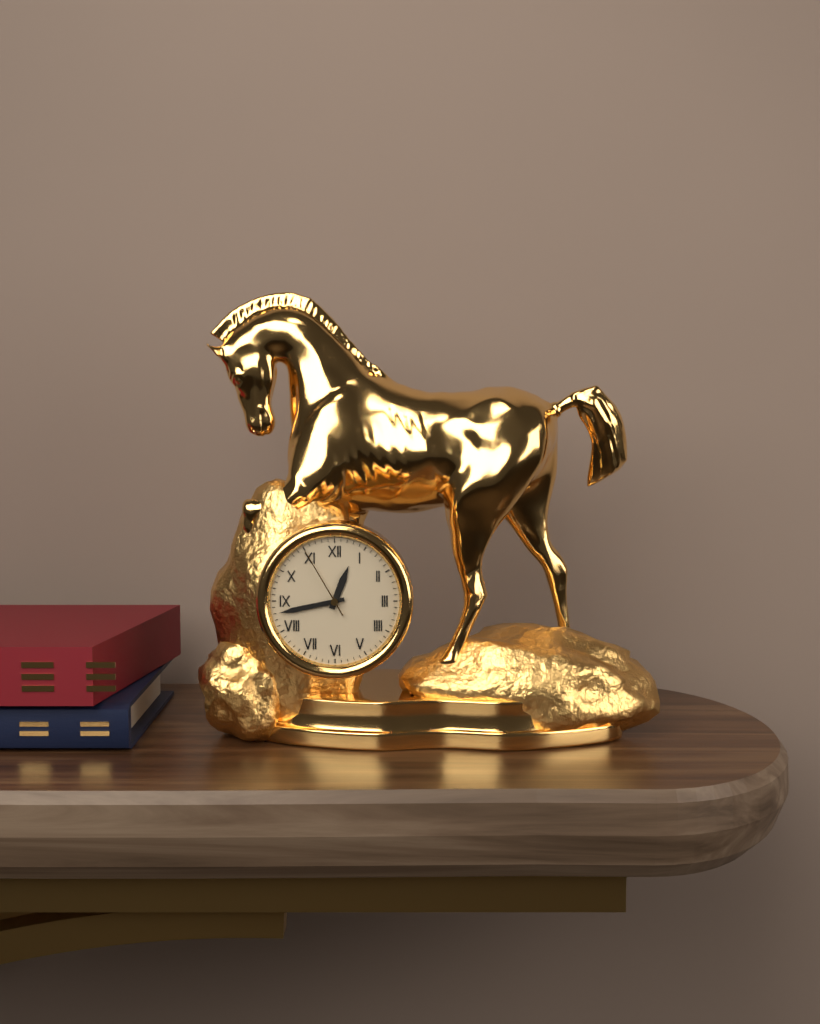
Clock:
12.43.55
